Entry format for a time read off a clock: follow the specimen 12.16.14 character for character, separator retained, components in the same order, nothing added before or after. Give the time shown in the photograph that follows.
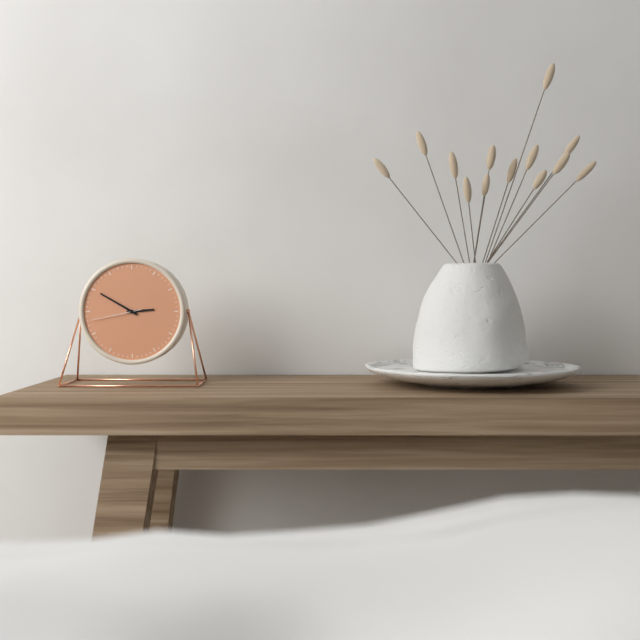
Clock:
2.50.43
